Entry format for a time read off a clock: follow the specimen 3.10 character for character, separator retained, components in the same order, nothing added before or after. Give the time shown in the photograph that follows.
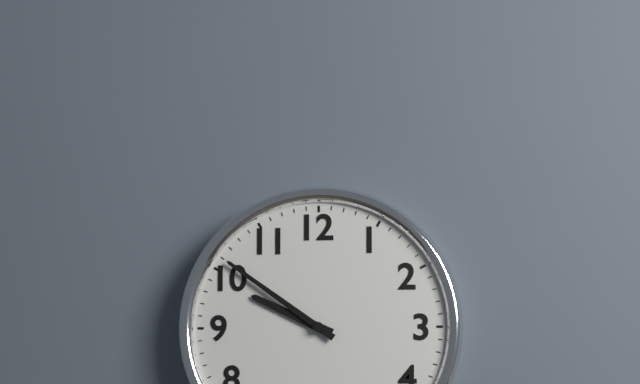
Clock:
9.51
